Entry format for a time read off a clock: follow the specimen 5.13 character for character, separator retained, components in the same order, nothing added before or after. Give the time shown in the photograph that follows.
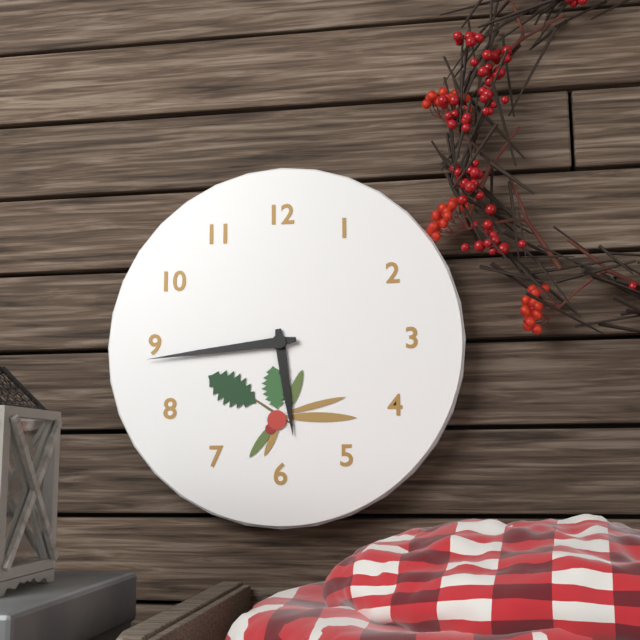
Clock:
5.44
